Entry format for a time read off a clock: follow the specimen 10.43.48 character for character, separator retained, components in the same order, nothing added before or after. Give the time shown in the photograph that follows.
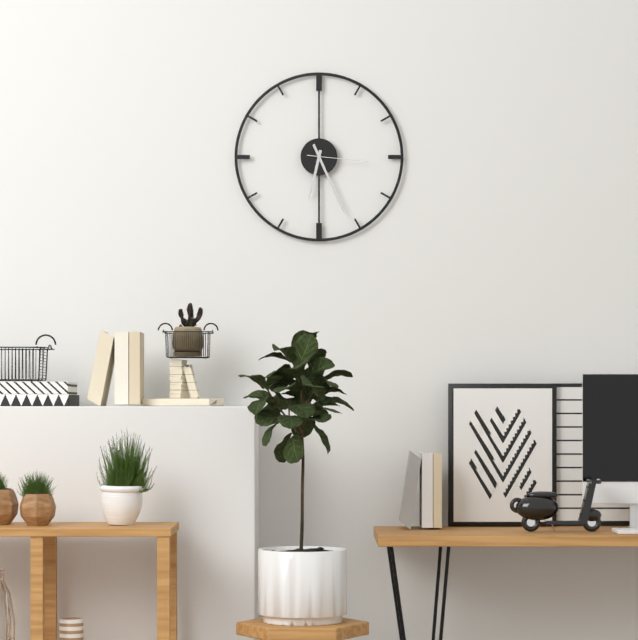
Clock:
6.26.16
